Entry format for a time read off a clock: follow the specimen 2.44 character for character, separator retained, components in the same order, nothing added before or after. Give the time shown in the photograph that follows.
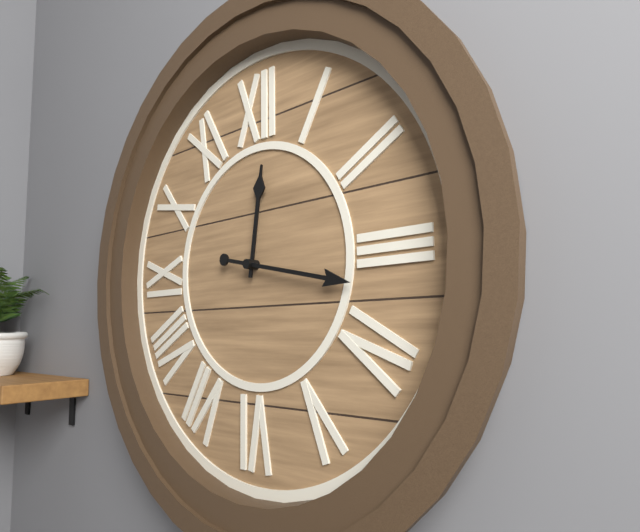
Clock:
12.17
